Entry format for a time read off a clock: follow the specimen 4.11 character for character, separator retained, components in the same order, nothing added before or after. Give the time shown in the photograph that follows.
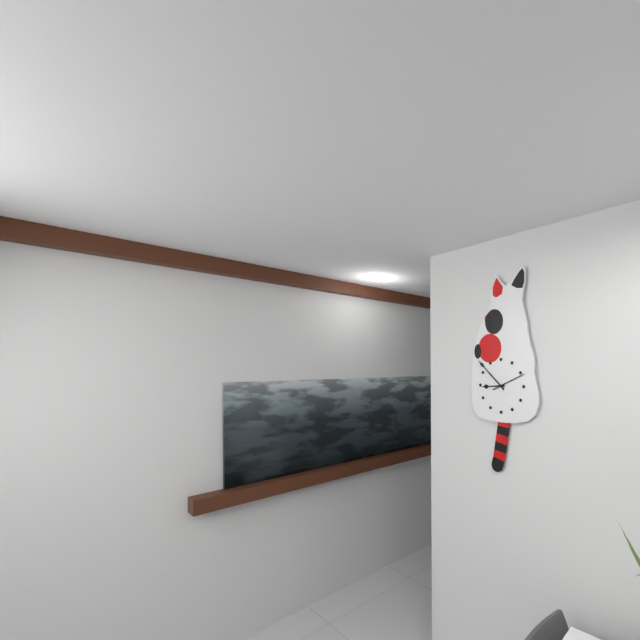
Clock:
8.52
